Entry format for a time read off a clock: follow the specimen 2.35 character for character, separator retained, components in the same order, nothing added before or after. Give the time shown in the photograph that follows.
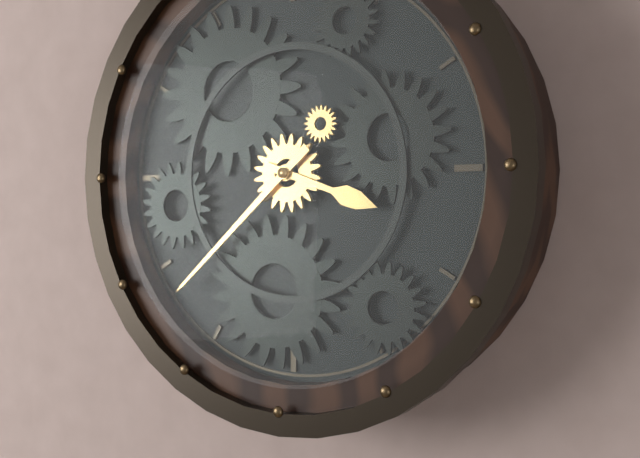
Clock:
3.38
